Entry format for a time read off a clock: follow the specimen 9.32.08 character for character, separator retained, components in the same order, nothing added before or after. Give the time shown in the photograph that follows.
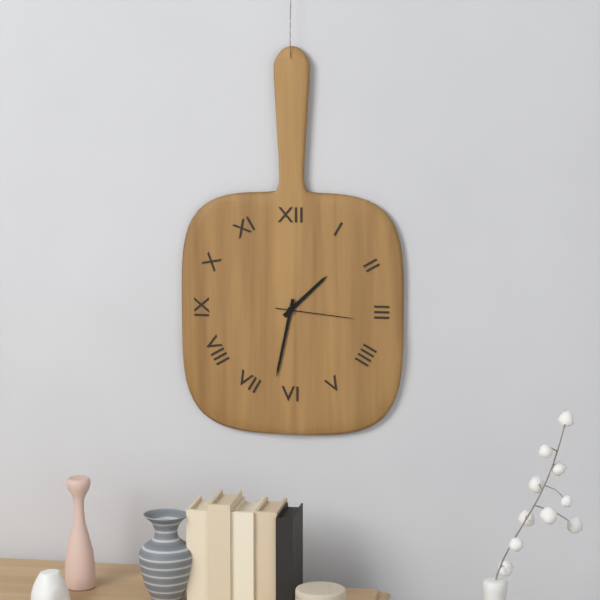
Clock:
1.32.16
